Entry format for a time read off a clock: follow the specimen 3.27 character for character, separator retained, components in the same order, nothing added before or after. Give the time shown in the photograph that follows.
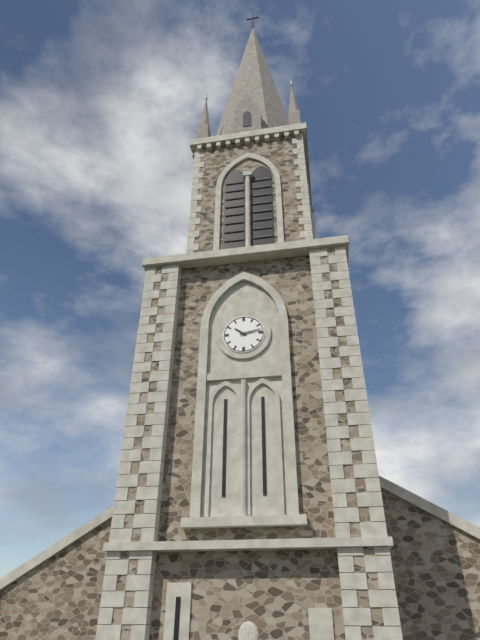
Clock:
10.13
